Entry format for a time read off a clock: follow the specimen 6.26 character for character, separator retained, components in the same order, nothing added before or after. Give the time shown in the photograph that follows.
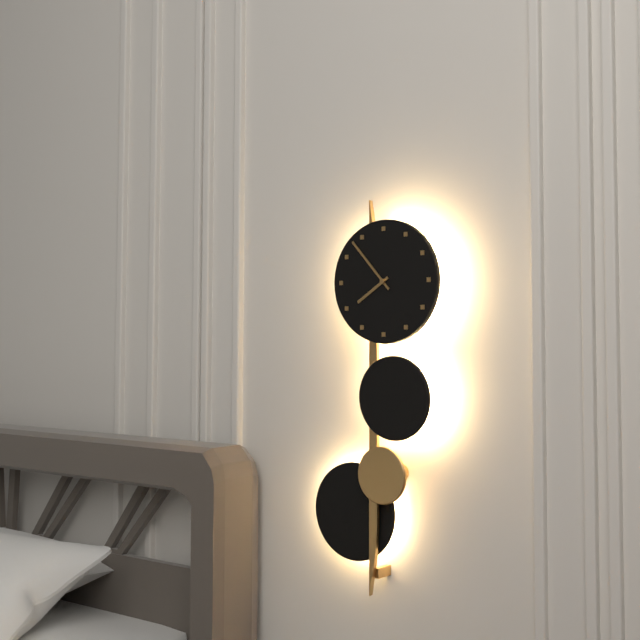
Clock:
7.53
